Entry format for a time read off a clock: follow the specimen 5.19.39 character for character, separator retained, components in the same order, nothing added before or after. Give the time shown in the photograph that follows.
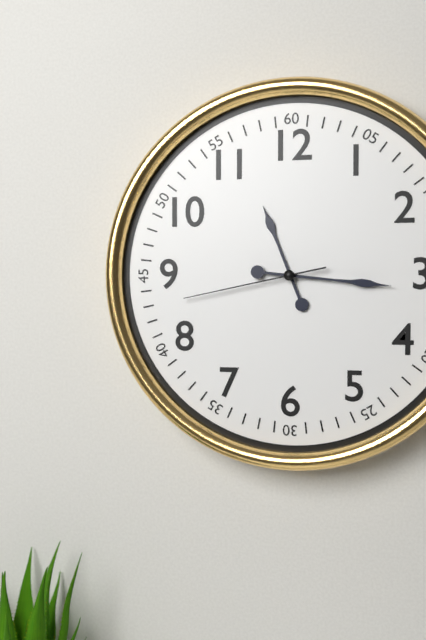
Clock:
11.16.43
